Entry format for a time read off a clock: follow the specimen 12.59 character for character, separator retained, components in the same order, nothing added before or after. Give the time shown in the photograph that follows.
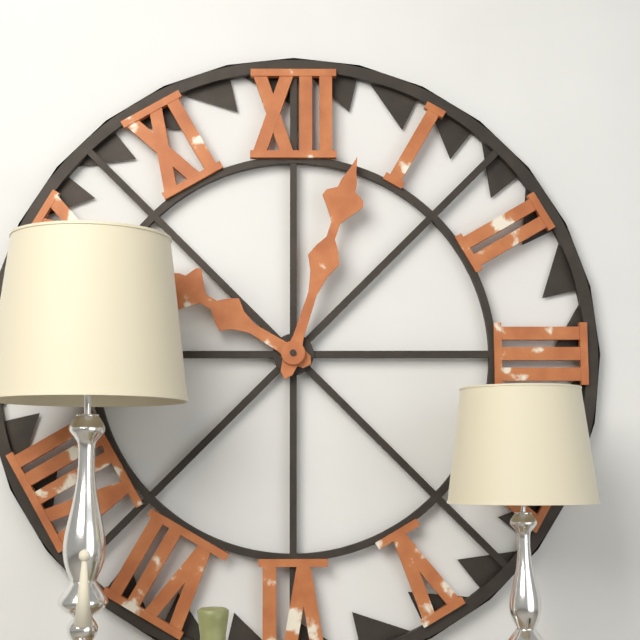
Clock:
10.03
